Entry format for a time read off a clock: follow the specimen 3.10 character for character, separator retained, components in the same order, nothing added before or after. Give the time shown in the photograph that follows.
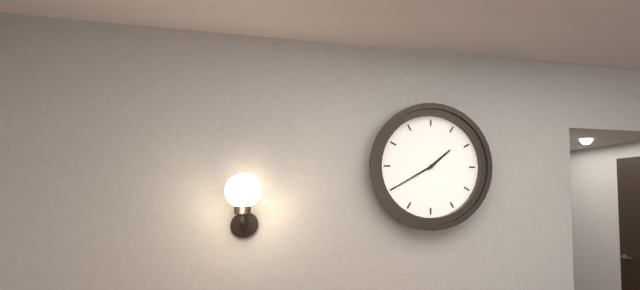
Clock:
1.40
